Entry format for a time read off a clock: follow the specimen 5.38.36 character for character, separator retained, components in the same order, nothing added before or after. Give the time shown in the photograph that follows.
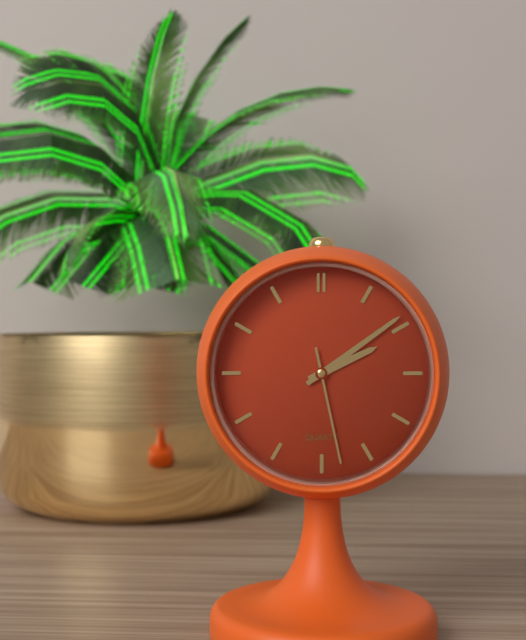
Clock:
2.09.28
